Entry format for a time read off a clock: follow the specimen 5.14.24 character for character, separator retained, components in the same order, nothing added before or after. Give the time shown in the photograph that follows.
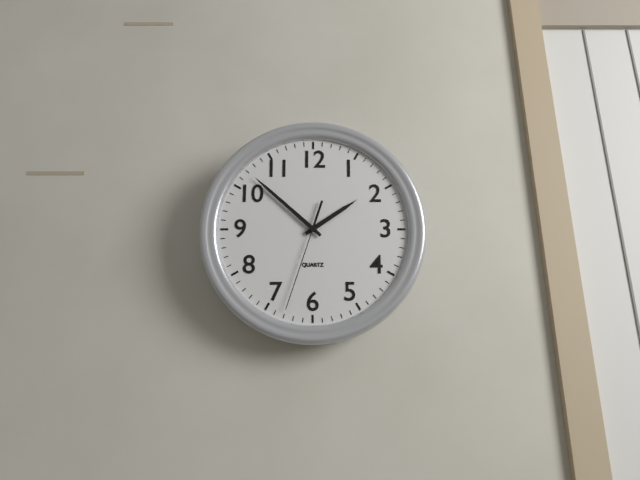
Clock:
1.52.33
